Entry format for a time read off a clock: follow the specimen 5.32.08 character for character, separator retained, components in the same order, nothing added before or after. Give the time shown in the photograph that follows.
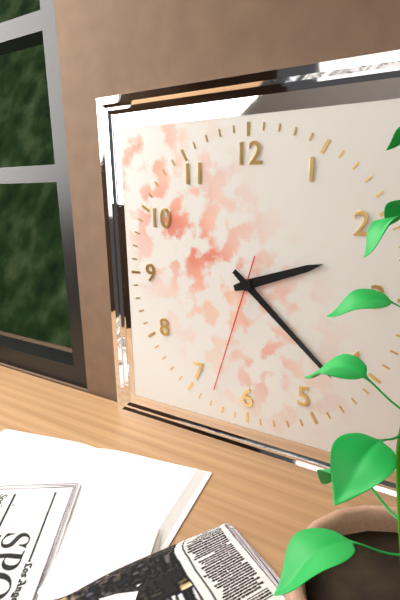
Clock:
2.22.33
